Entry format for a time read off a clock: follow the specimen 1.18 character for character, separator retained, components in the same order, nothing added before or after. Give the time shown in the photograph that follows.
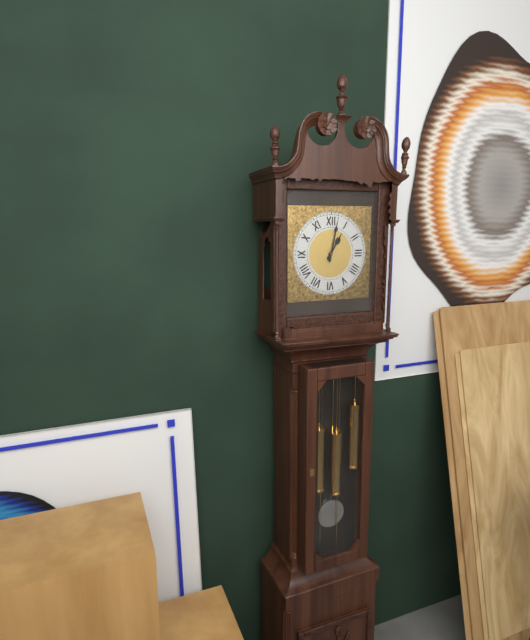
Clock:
1.02
